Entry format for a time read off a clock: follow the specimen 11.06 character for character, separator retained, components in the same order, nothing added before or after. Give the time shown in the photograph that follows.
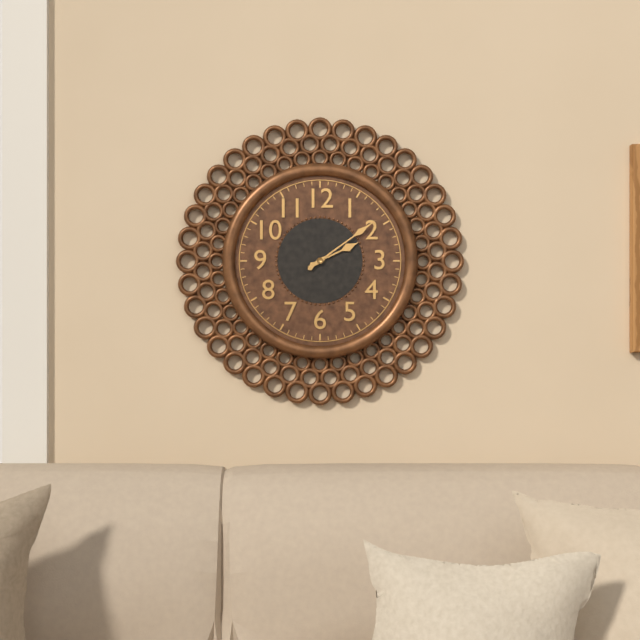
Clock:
2.09
